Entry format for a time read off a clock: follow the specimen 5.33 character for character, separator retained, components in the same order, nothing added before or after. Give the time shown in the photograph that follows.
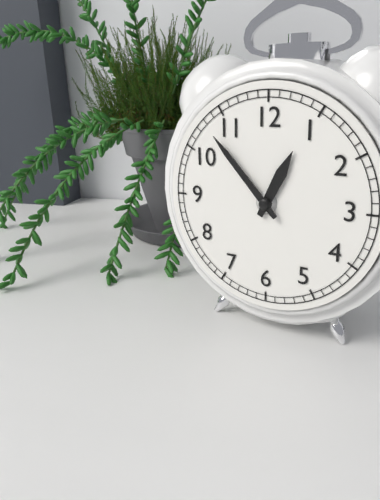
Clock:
12.53
